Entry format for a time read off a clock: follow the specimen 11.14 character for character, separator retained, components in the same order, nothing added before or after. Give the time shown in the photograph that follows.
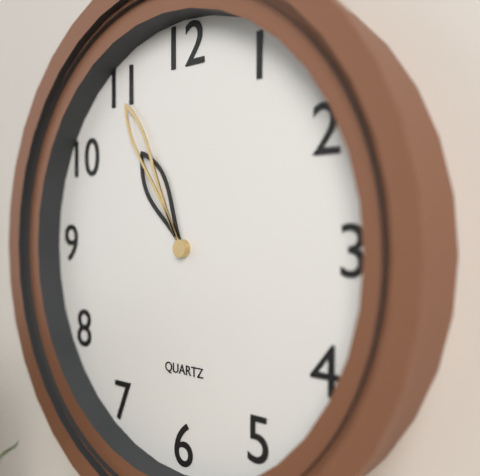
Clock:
10.55
